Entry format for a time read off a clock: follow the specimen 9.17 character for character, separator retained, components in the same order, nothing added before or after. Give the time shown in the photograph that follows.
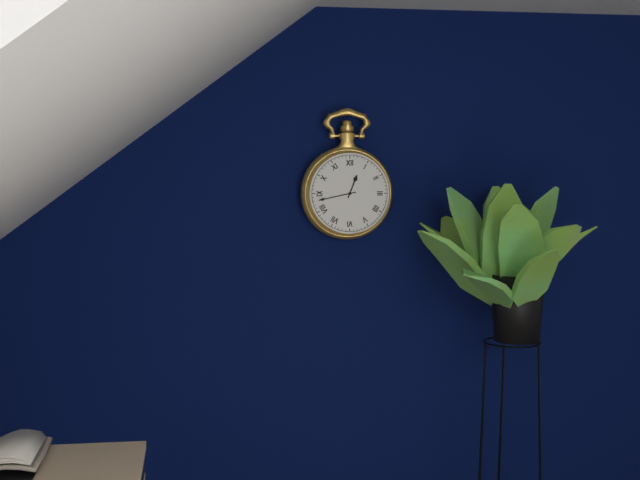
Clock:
12.43
